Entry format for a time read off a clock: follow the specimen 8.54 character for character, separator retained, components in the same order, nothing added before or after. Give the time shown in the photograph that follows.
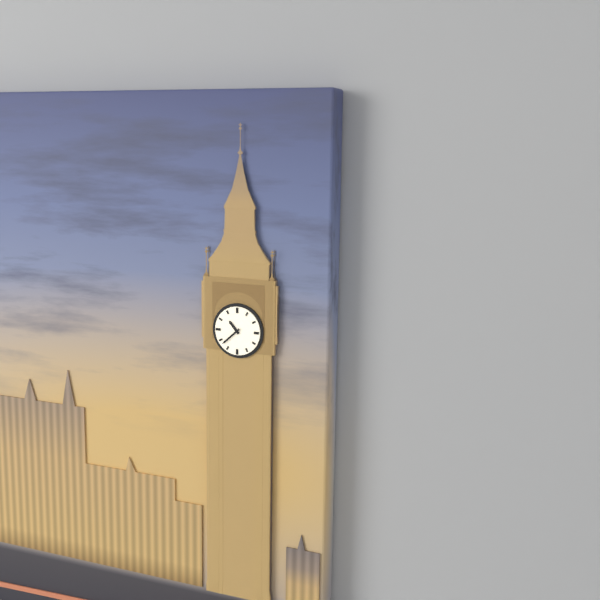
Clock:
10.38
